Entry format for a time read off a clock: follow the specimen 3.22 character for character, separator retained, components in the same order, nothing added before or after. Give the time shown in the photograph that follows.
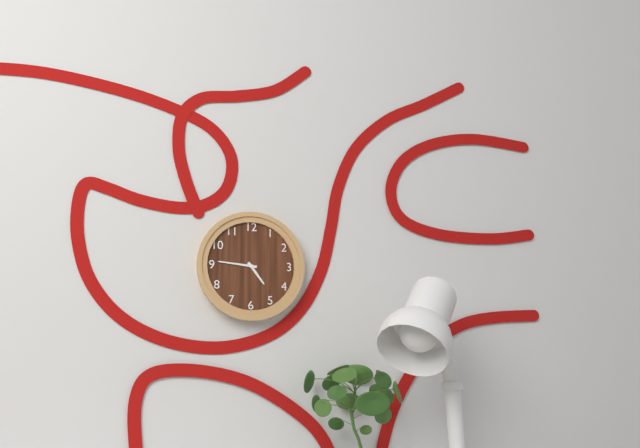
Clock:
4.46
